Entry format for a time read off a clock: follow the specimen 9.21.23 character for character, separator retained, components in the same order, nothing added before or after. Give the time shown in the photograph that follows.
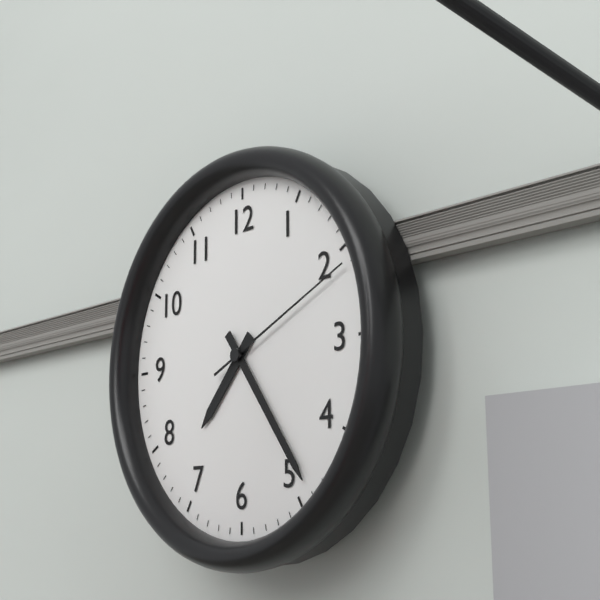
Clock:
7.24.11
